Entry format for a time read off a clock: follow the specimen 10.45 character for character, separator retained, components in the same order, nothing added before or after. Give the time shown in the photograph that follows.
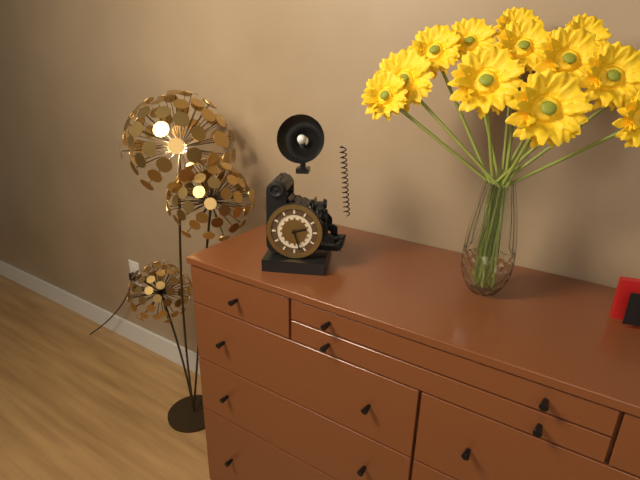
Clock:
2.27
